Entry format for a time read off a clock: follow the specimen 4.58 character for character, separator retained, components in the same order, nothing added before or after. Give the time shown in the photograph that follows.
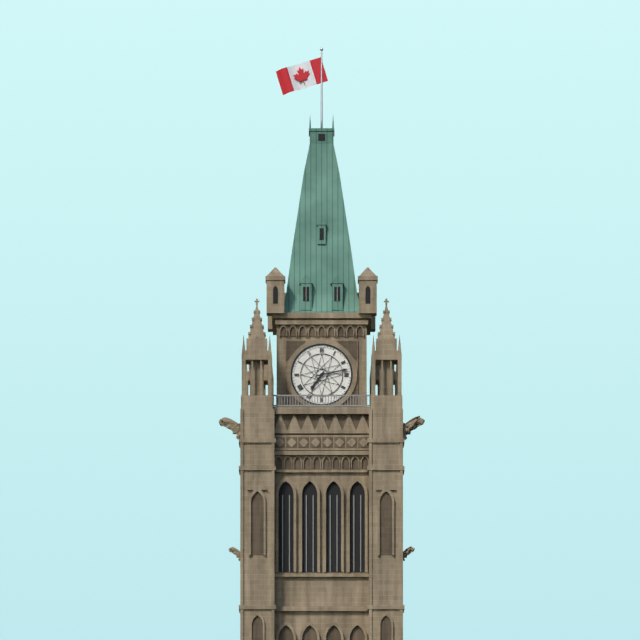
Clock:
7.13
